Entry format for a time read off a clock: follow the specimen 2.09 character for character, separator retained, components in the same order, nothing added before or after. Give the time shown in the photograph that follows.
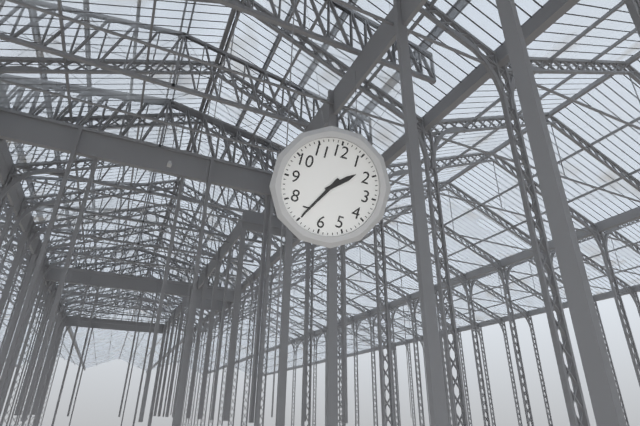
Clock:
1.35
